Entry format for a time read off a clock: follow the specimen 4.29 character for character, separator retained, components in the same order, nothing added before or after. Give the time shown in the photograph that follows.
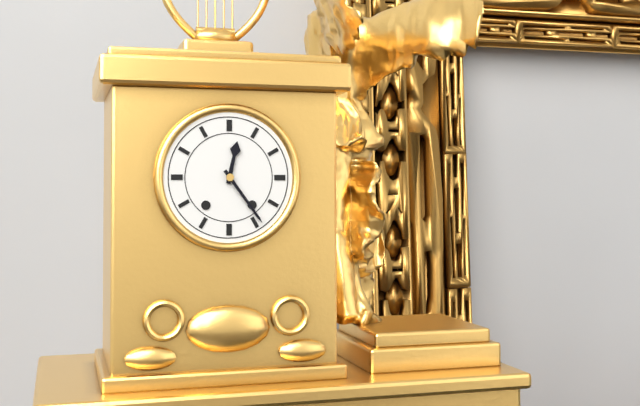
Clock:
12.24
